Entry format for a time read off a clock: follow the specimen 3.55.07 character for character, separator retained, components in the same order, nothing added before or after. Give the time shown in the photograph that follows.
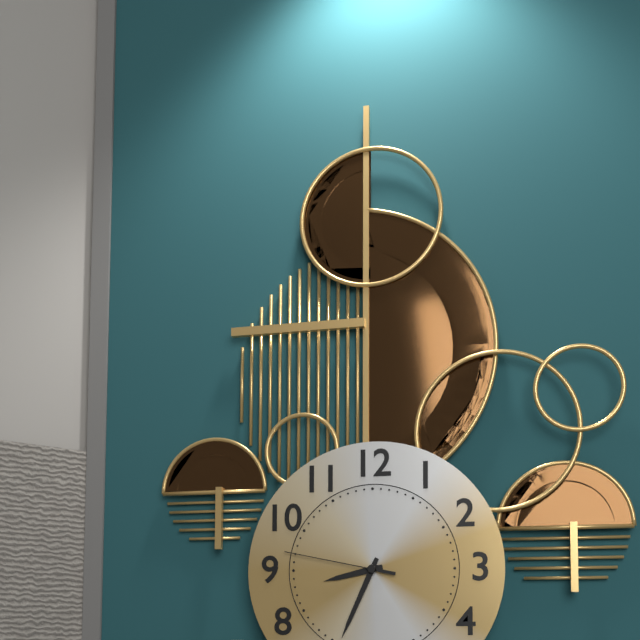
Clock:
8.34.47
